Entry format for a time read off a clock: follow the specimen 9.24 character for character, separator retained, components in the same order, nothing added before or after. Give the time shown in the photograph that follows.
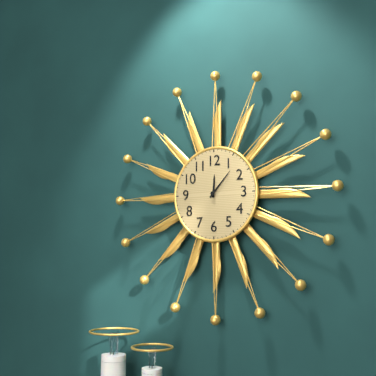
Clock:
12.07
